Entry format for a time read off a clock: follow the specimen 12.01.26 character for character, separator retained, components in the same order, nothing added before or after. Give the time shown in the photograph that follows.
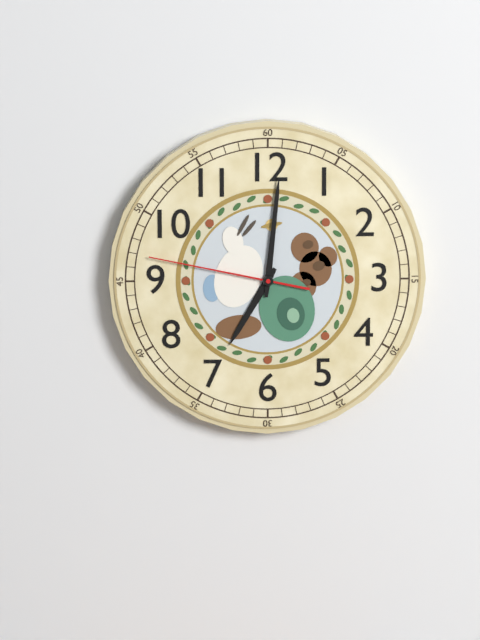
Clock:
7.01.47
